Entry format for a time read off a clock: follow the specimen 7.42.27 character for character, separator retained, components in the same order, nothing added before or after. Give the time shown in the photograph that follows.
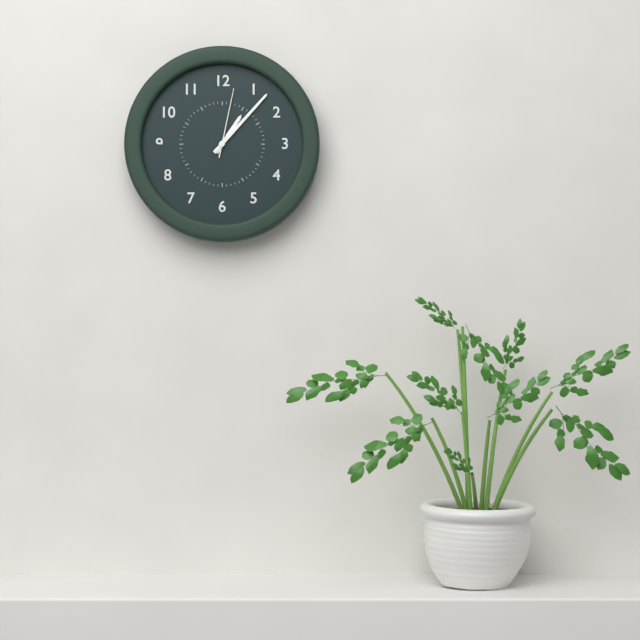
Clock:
1.07.02
